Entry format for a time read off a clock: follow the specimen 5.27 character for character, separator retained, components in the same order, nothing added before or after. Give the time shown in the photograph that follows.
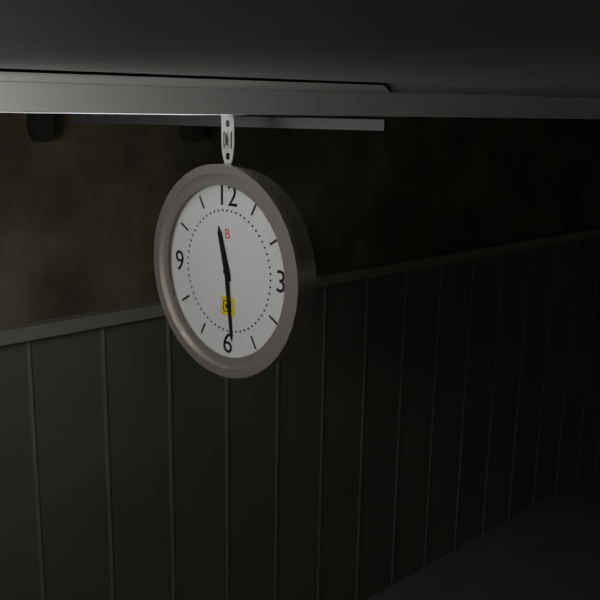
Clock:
11.29
